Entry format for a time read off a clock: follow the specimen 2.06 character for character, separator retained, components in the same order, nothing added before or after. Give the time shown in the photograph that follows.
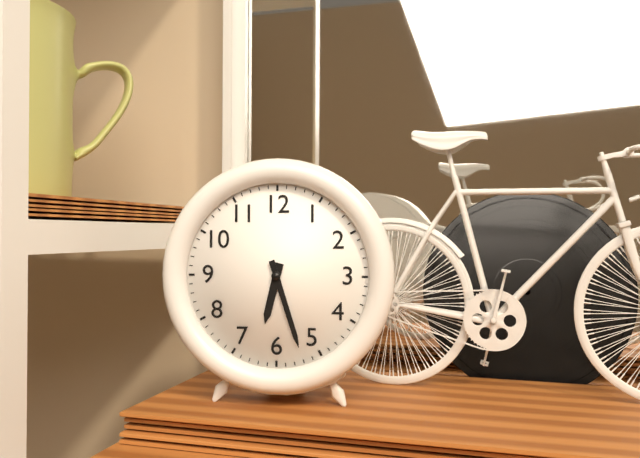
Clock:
6.27
